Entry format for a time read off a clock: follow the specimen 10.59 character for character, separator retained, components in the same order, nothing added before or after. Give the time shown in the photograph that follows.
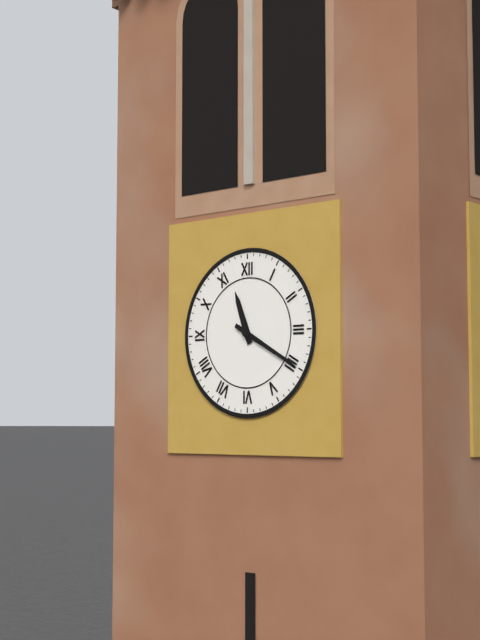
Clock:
11.20
